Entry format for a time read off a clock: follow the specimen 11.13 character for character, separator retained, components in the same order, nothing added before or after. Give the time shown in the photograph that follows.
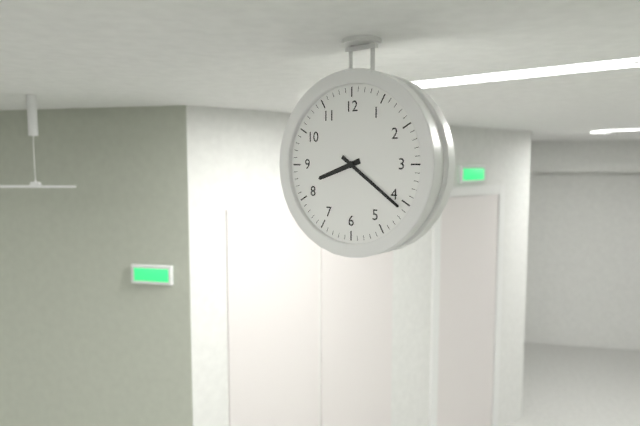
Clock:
8.21
